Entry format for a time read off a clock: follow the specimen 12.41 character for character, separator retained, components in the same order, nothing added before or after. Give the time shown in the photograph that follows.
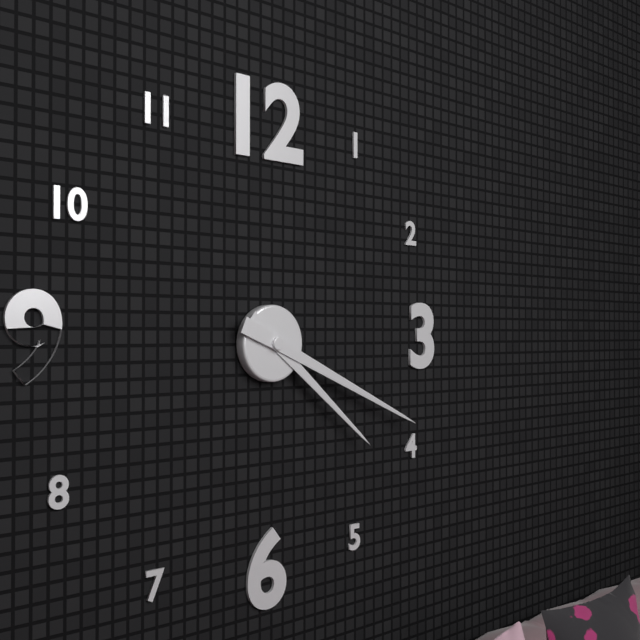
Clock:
4.19
